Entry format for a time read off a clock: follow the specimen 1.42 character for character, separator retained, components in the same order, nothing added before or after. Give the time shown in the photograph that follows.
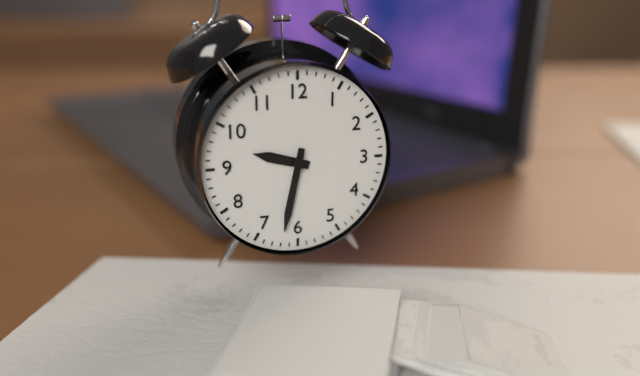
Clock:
9.32
